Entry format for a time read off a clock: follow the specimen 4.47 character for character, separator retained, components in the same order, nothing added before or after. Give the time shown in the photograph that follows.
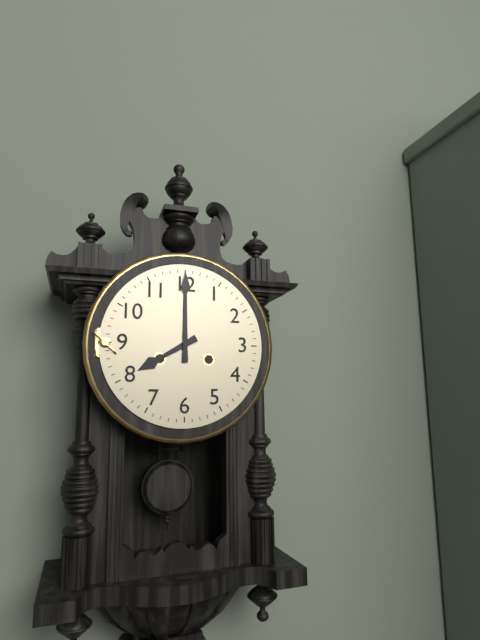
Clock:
8.00
